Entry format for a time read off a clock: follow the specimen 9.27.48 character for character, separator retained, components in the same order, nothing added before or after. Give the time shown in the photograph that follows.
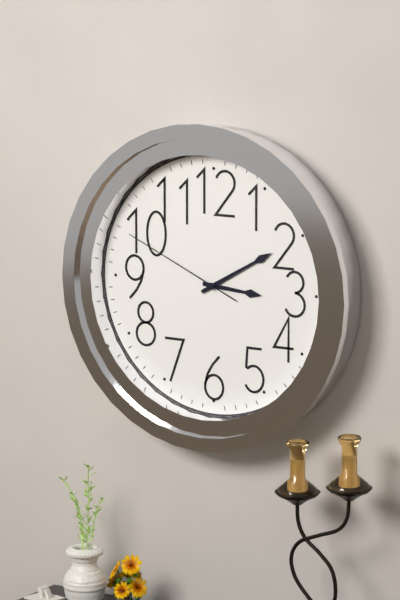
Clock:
3.10.49
